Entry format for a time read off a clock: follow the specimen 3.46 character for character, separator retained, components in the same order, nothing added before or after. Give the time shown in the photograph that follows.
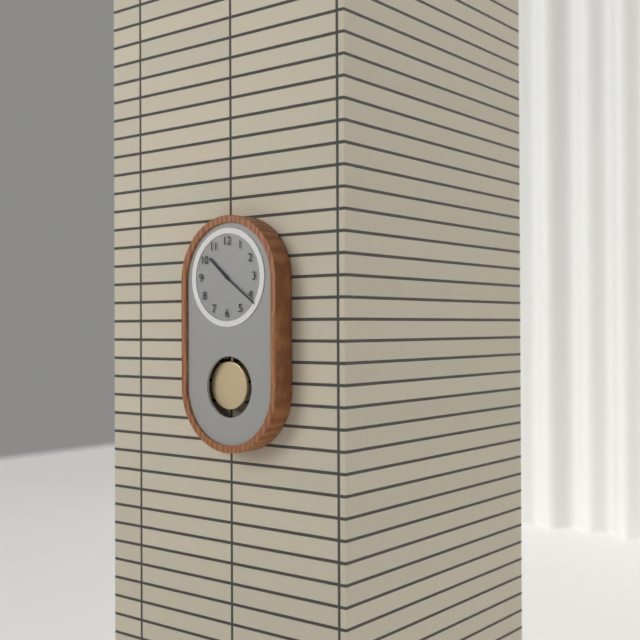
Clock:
10.21
